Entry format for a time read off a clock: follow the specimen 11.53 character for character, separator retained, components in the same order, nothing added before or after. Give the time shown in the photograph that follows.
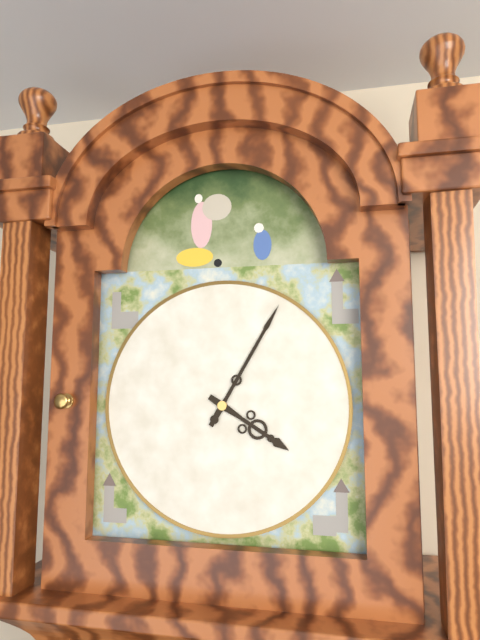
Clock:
4.05
